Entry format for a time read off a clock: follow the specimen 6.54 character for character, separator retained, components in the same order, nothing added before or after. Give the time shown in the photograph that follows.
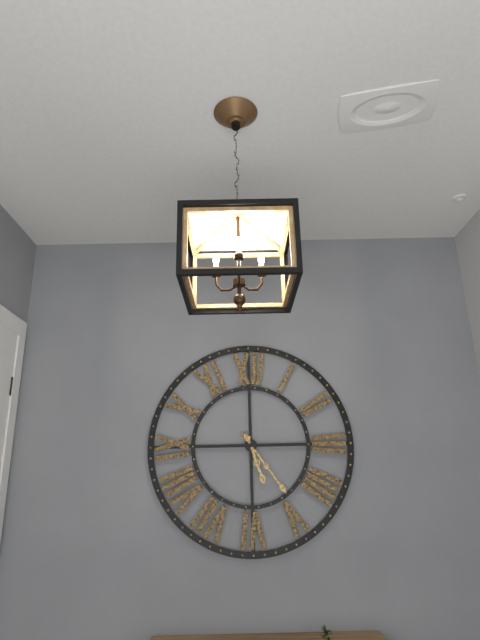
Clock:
5.24
